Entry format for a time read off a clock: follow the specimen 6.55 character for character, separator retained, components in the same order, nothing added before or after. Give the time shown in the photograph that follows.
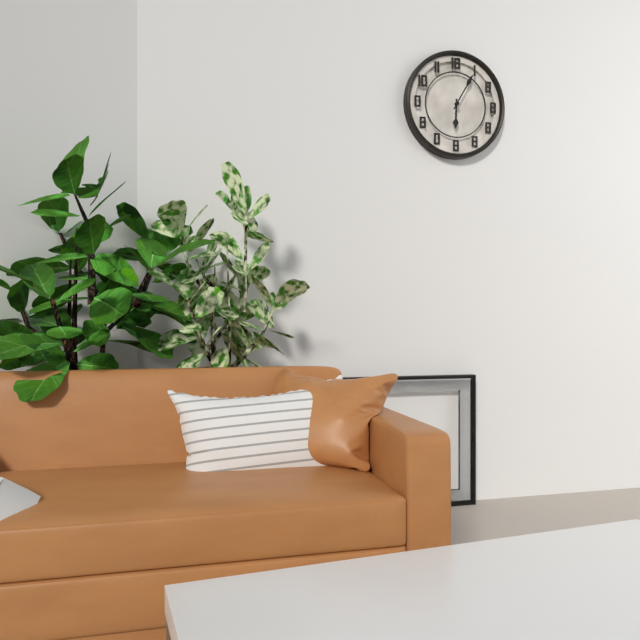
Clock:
6.05
